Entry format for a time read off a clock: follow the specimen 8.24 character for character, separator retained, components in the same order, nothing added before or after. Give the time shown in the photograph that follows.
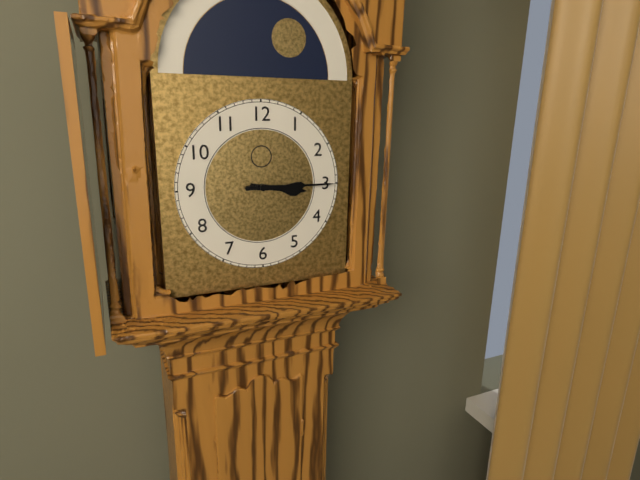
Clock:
3.15
